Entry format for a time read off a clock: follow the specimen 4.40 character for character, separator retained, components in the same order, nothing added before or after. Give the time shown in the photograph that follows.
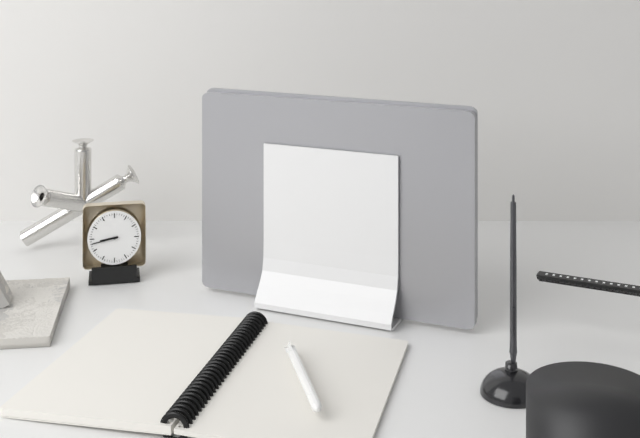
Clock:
8.43
